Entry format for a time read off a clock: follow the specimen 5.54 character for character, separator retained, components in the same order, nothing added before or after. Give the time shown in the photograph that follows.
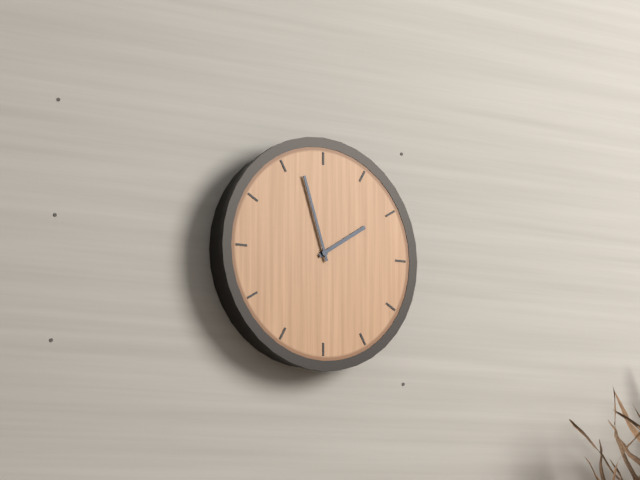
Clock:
1.57
